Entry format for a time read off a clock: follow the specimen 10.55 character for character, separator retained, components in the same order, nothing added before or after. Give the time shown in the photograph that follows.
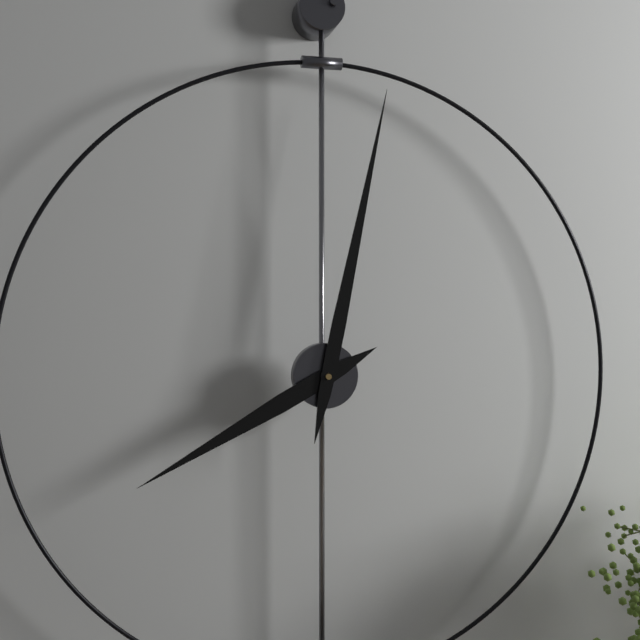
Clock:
8.02
